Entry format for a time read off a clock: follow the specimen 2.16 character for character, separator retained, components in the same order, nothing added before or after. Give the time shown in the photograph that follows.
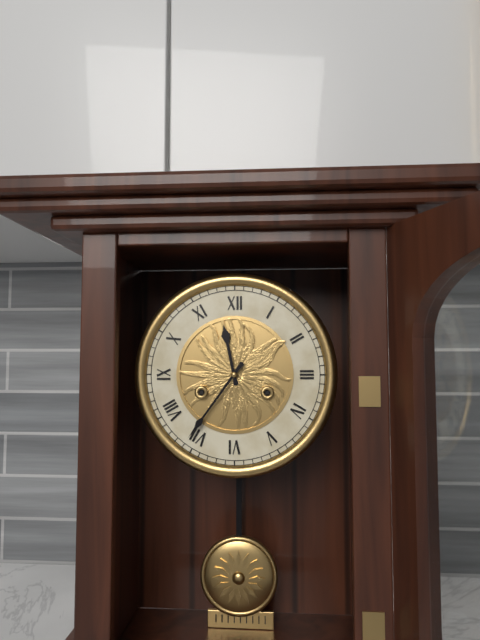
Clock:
11.36
